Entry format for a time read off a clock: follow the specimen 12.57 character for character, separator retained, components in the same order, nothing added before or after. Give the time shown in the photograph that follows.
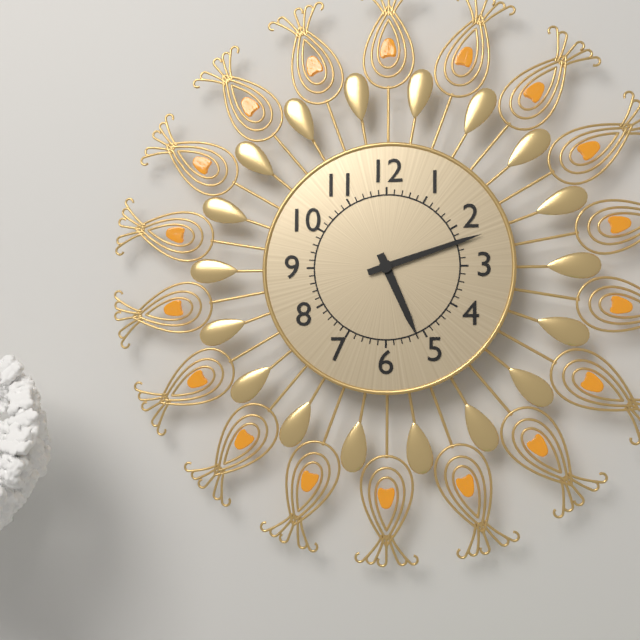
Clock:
5.12
